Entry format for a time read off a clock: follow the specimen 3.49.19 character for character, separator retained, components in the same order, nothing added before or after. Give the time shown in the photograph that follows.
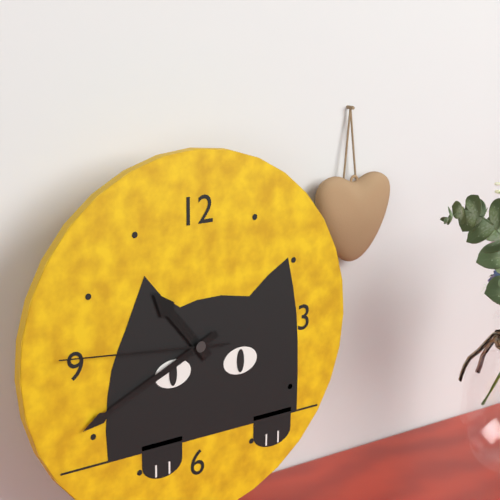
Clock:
10.41.46
